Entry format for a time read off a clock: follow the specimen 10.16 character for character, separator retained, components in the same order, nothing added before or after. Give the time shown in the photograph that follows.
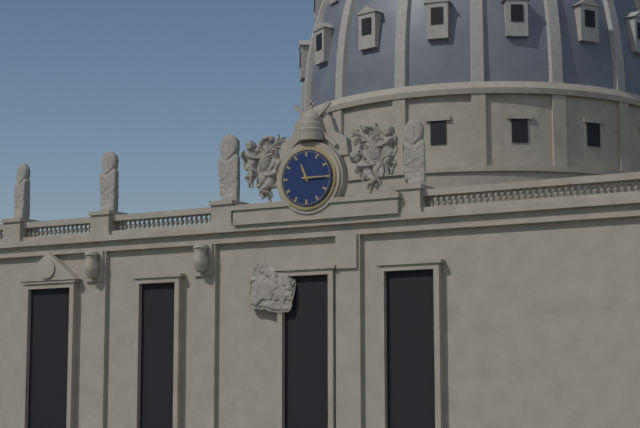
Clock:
11.15
